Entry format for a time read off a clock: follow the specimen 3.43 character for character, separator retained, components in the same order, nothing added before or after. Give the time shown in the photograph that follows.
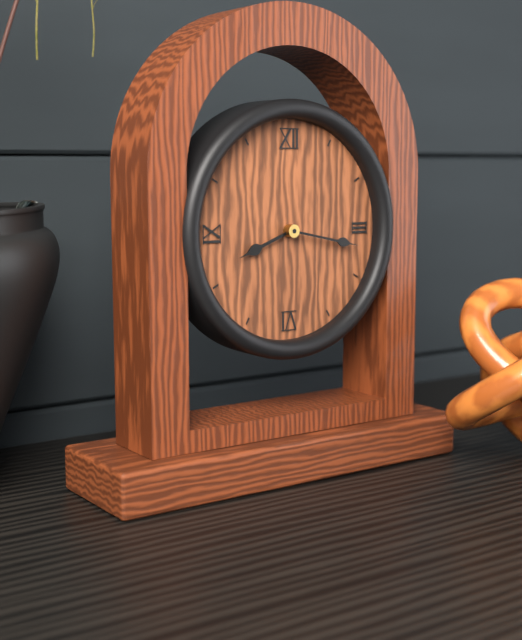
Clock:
8.17
